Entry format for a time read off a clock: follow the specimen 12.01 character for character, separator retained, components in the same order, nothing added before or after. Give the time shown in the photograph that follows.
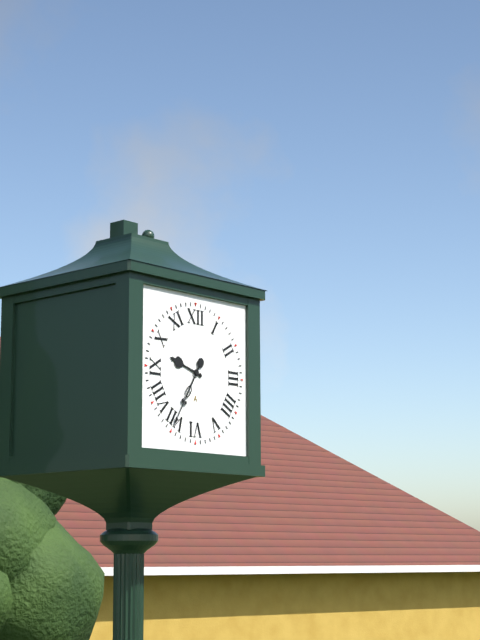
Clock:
9.35
